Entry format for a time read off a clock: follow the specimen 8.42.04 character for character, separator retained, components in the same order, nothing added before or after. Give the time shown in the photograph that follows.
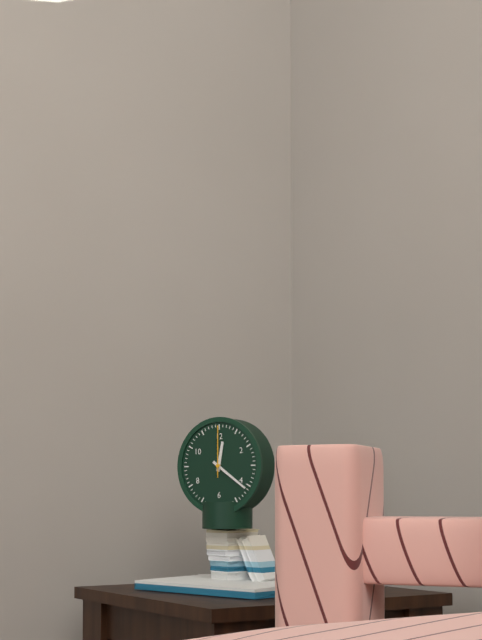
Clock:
12.21.00
